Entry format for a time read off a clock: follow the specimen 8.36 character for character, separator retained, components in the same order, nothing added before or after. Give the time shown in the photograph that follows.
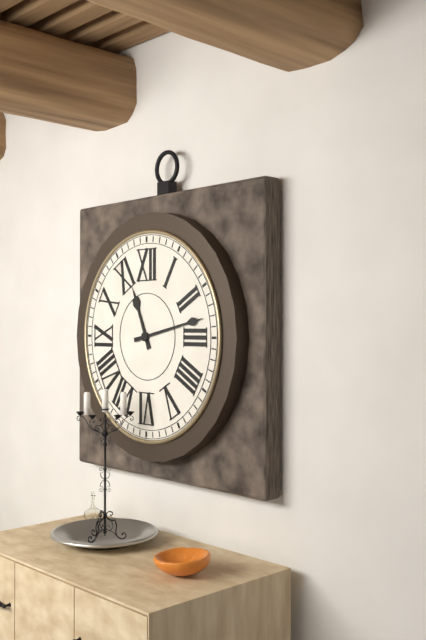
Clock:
11.13
